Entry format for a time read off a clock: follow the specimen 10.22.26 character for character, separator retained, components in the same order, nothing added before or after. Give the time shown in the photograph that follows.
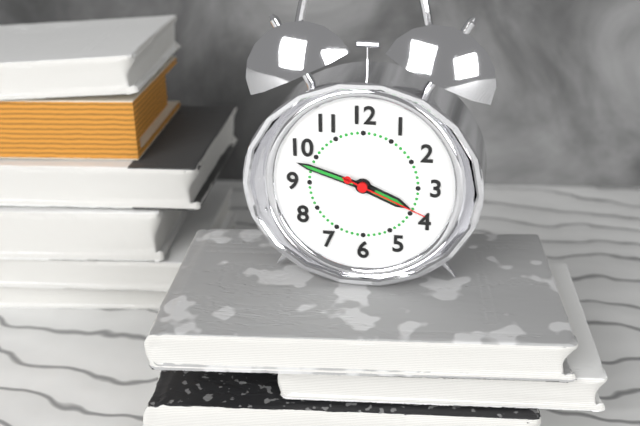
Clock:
3.48.19
